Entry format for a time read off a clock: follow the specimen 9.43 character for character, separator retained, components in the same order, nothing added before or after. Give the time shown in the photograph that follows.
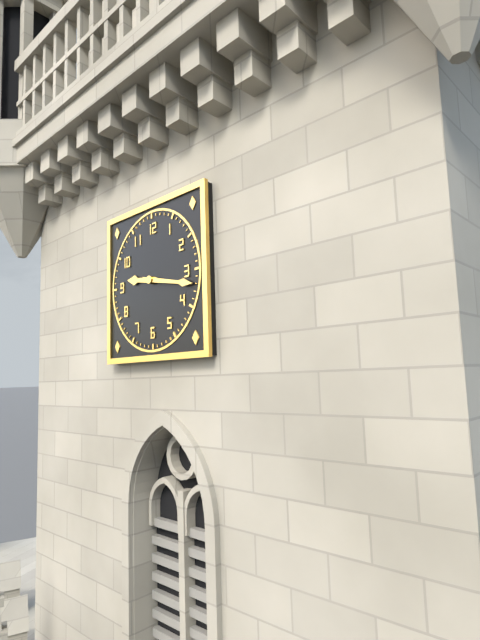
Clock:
9.17
